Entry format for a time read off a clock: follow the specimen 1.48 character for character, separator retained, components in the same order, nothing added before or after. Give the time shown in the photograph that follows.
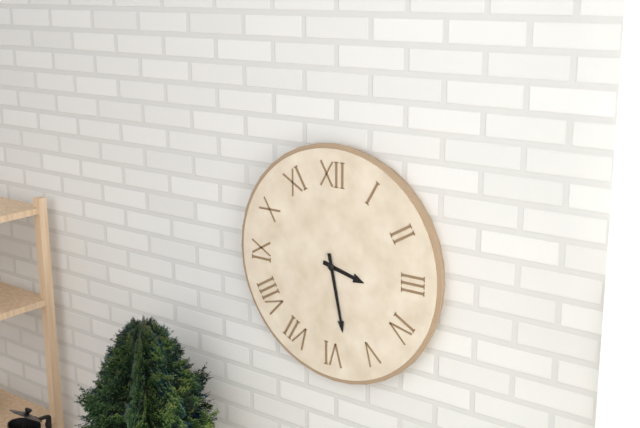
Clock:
3.28
